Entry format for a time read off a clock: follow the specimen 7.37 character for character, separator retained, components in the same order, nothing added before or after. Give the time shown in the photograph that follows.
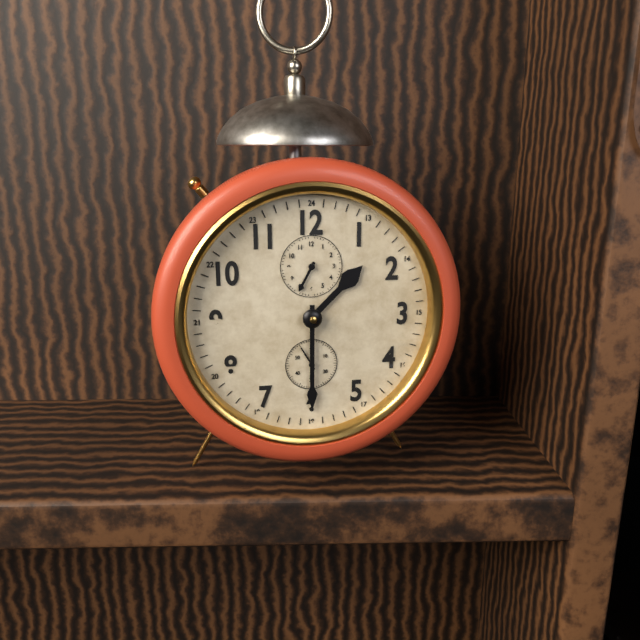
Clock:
1.30
